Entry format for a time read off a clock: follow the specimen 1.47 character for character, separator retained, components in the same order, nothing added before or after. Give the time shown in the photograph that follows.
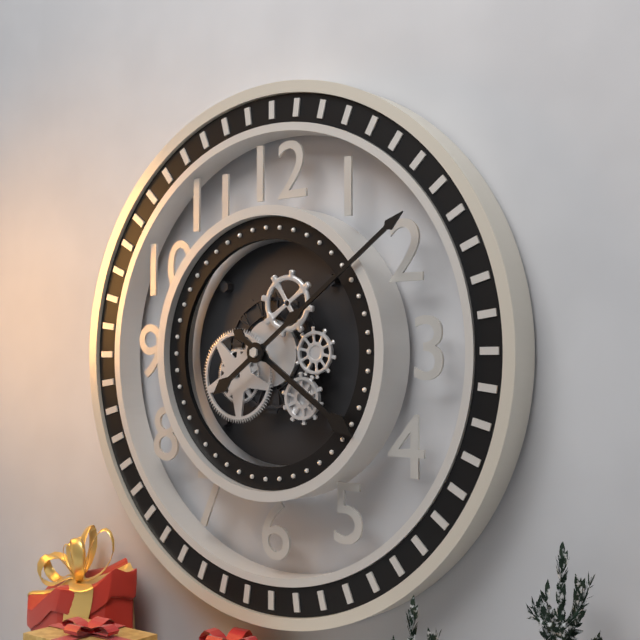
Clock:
4.09
